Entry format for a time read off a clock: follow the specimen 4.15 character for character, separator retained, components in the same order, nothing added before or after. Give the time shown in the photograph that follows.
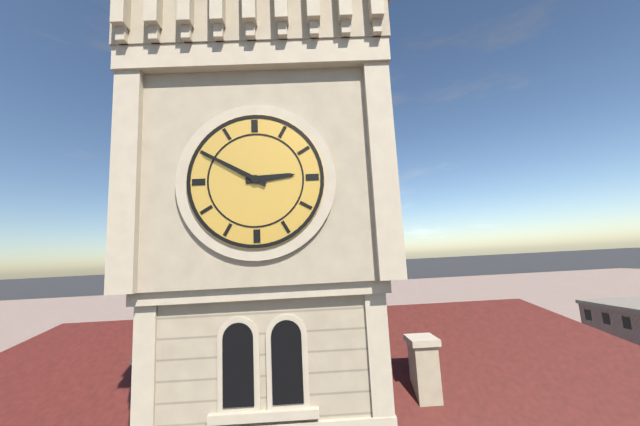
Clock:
2.50
